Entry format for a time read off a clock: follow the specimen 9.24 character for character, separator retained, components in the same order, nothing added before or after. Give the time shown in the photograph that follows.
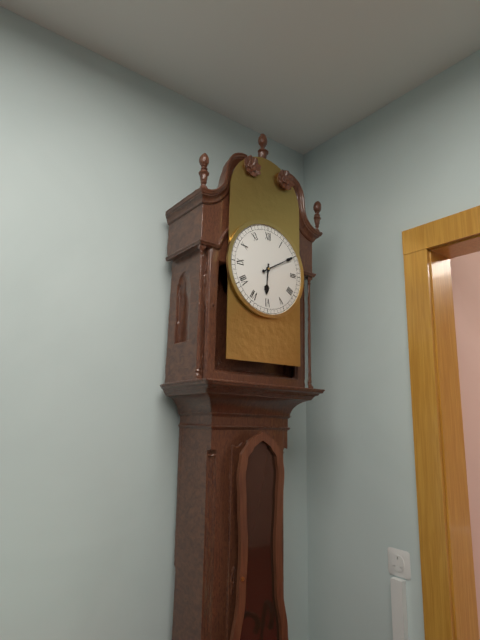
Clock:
6.10
